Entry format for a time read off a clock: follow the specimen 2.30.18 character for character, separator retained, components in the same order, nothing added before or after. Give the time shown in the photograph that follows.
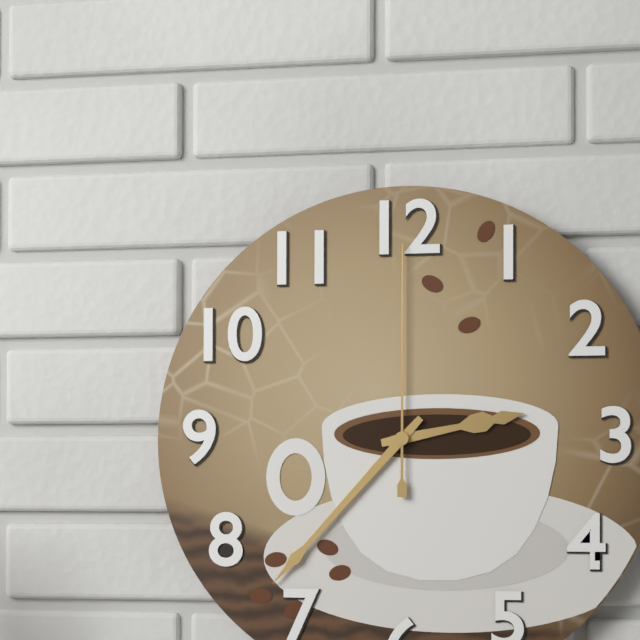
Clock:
2.37.00
